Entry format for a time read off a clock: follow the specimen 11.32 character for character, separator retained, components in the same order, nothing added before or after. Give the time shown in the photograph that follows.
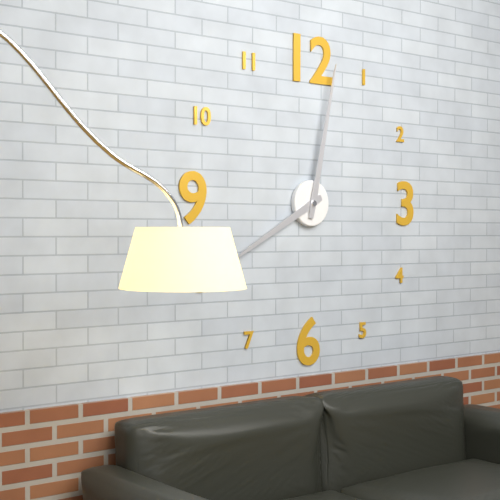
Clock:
8.02
